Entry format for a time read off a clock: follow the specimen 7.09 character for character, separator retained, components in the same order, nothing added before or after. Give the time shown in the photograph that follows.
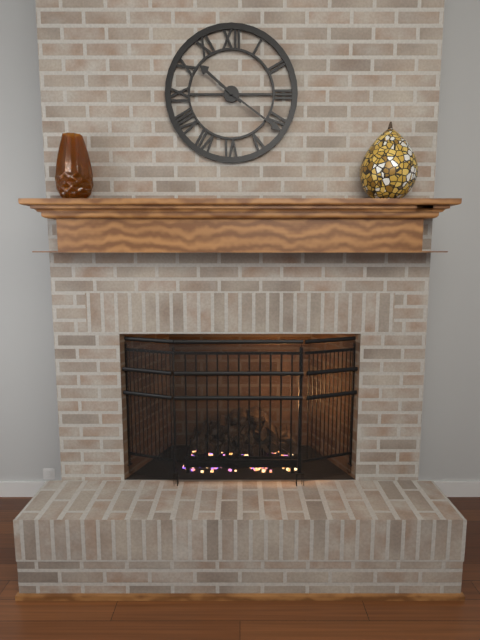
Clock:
10.21
